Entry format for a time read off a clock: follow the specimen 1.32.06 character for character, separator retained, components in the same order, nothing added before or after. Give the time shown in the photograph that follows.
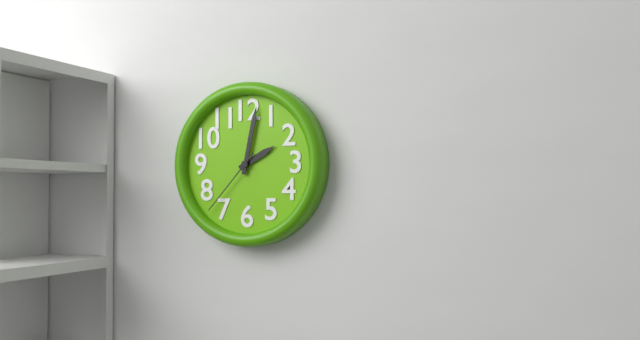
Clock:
2.02.37
